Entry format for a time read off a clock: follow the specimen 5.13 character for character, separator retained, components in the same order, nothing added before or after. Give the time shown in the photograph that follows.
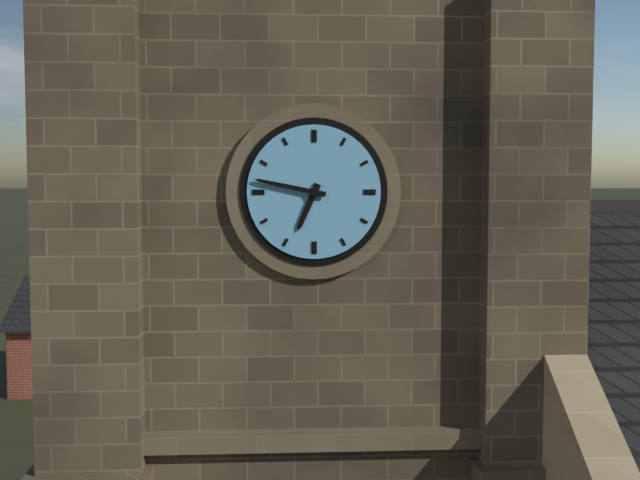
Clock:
6.47
